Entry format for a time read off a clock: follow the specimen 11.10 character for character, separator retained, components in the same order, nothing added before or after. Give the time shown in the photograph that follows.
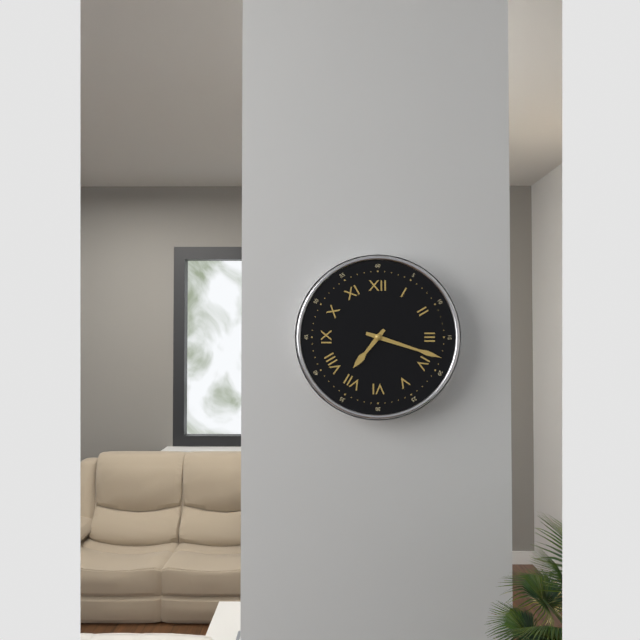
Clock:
7.18
